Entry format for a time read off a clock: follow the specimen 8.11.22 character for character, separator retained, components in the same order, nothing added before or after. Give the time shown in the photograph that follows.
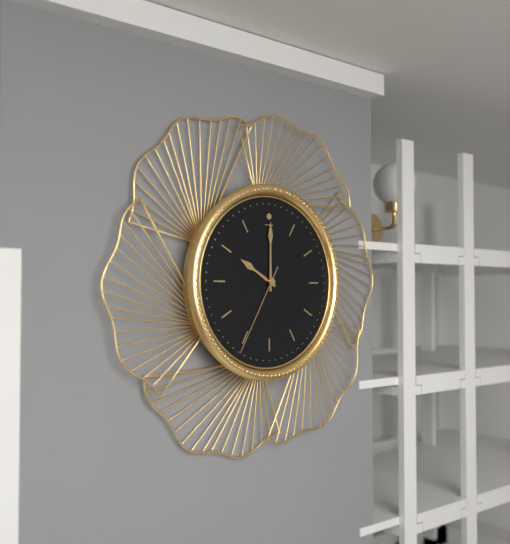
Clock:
10.00.35
